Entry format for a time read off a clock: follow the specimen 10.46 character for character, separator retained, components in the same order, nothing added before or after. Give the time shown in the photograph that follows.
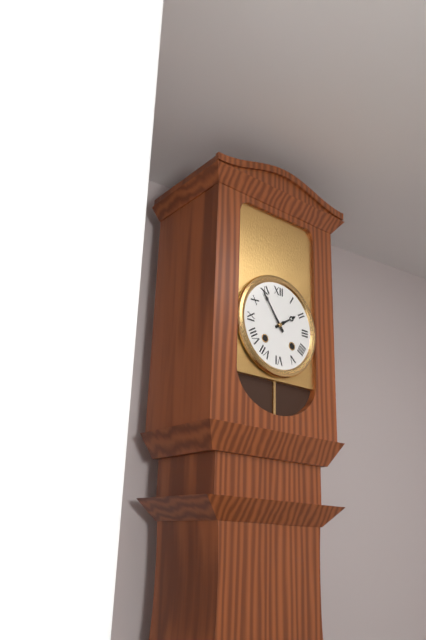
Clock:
1.54
